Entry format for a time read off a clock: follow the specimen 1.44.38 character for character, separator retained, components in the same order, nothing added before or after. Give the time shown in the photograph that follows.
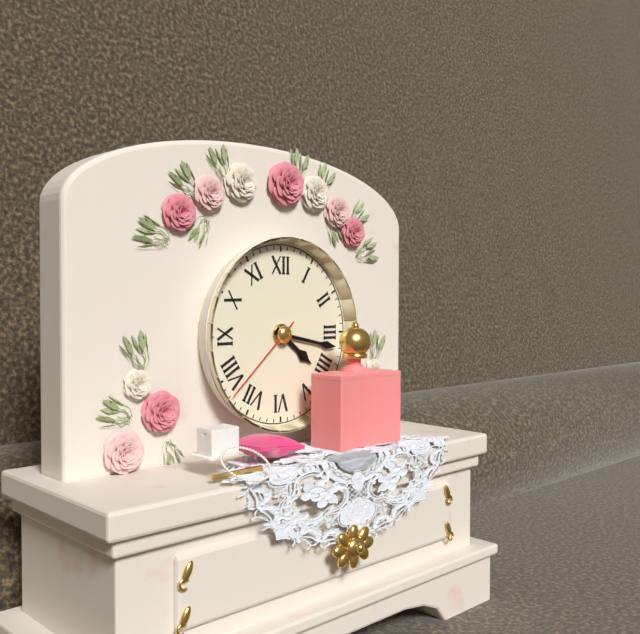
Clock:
4.17.38
